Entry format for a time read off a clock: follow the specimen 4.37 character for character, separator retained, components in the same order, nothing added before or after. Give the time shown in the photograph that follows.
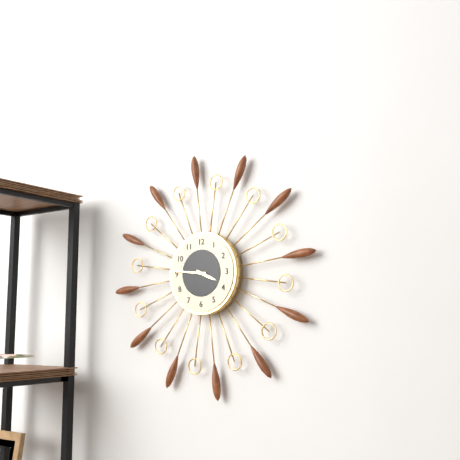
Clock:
3.46
